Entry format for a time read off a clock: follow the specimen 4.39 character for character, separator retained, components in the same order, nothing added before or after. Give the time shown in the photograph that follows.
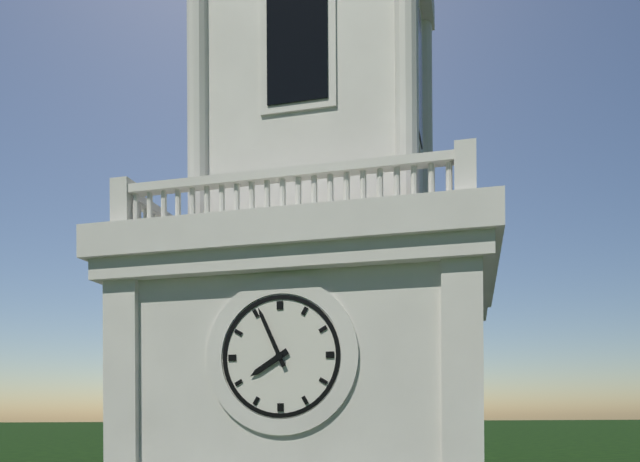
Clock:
7.56
